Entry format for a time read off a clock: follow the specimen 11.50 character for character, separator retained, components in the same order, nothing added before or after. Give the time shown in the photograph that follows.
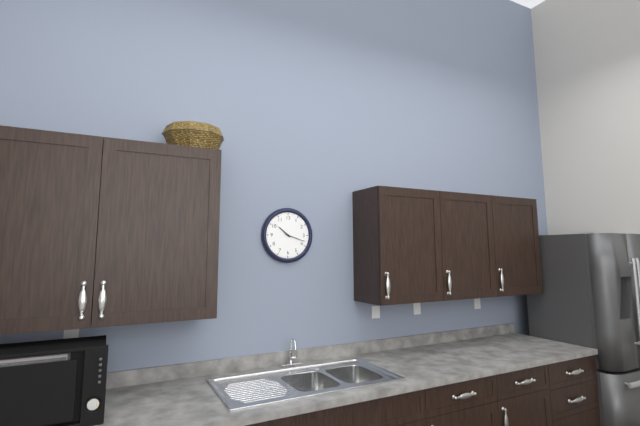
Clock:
10.18
